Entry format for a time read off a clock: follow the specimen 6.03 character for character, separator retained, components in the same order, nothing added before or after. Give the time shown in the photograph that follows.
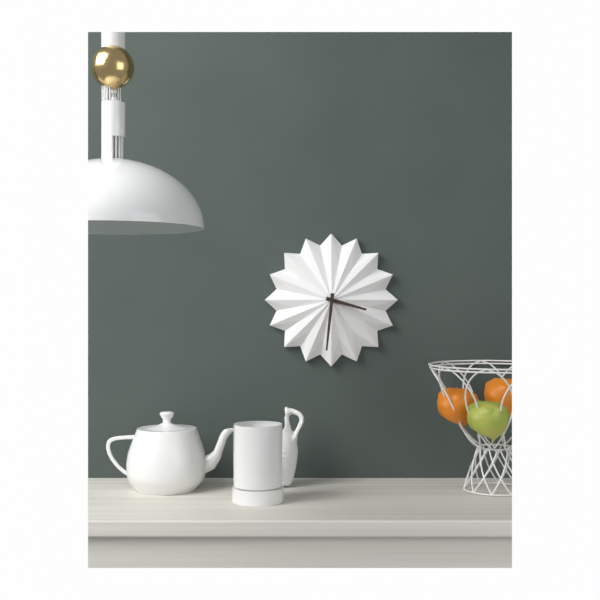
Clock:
3.31
